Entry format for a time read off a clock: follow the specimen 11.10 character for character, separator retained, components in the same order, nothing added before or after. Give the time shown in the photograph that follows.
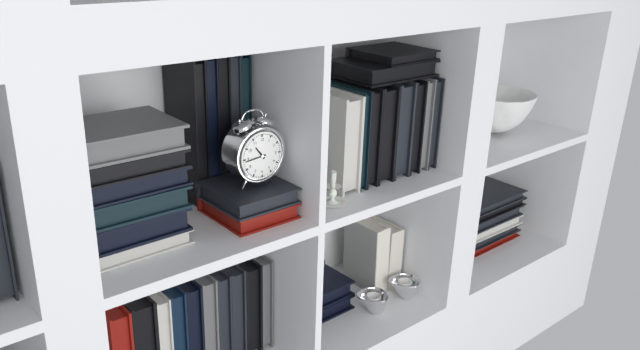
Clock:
10.44
